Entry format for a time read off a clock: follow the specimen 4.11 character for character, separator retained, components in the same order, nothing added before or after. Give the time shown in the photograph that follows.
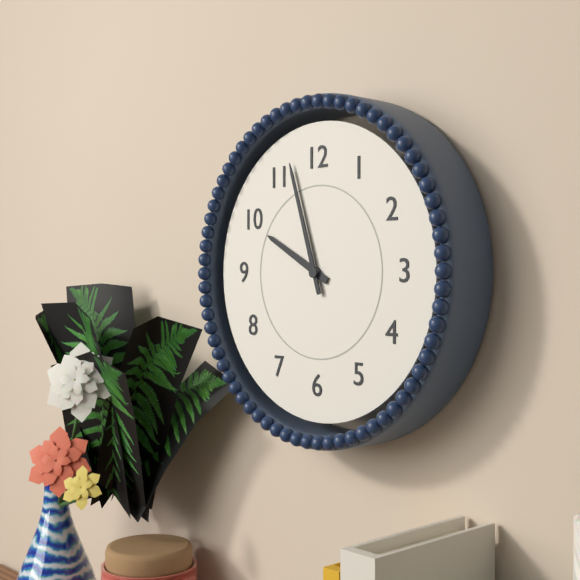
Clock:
9.57
